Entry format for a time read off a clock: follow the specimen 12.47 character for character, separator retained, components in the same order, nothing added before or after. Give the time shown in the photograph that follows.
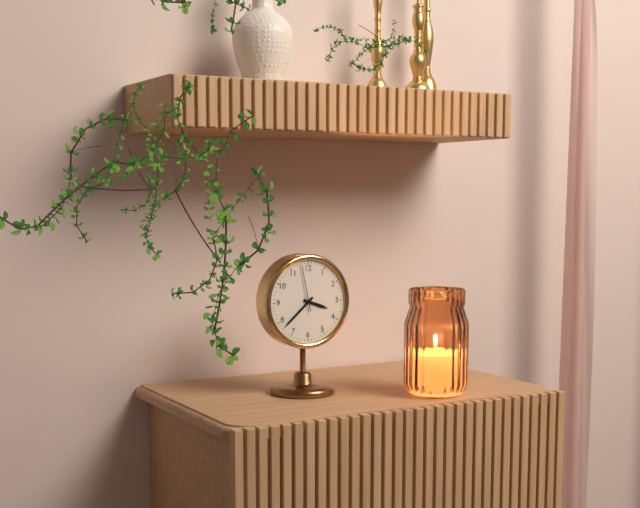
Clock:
3.38
